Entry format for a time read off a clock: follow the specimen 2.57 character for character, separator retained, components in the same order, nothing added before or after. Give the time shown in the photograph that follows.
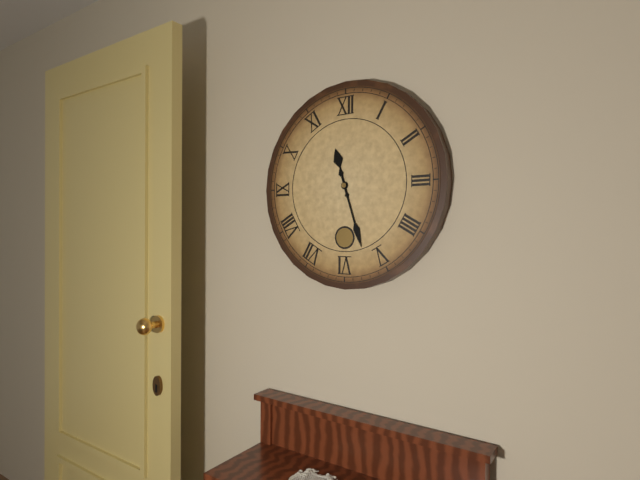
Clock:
11.27
